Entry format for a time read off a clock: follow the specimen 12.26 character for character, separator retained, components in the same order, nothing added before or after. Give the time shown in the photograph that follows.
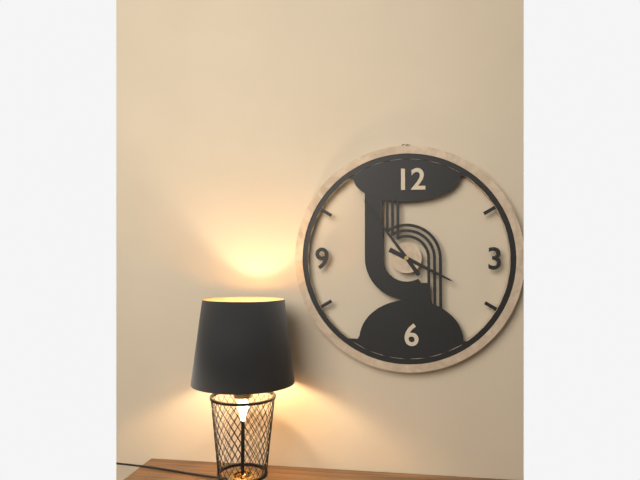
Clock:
3.54
